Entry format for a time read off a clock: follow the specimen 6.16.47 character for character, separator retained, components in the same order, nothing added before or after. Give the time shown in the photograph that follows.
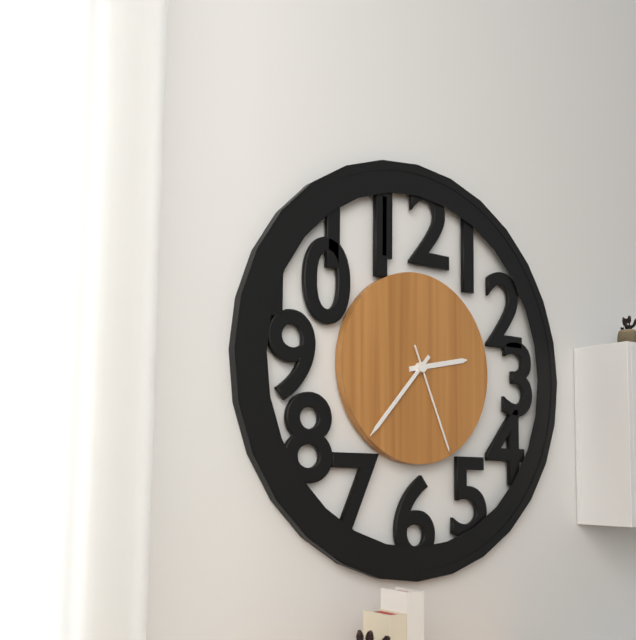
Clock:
2.37.26
